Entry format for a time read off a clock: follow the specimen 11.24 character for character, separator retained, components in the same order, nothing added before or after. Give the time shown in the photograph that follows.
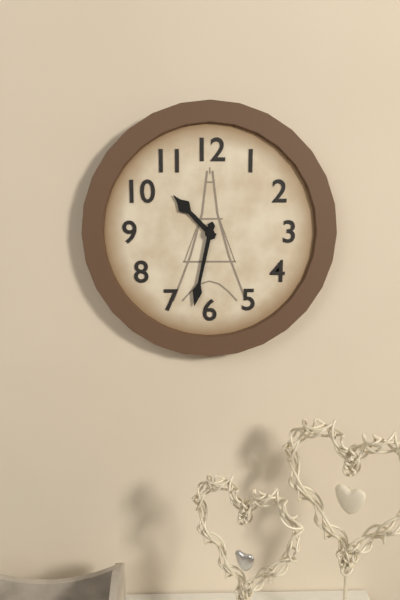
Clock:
10.32
